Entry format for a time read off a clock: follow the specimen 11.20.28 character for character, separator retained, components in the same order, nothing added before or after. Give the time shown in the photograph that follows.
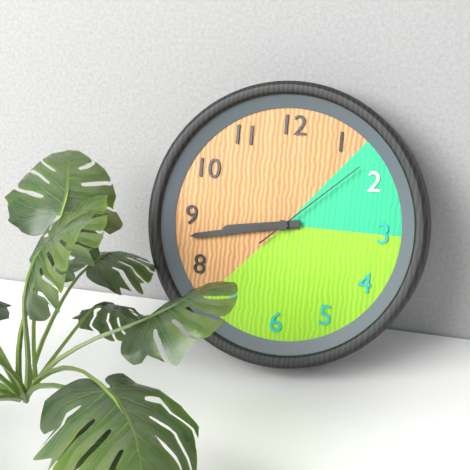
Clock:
8.43.08
